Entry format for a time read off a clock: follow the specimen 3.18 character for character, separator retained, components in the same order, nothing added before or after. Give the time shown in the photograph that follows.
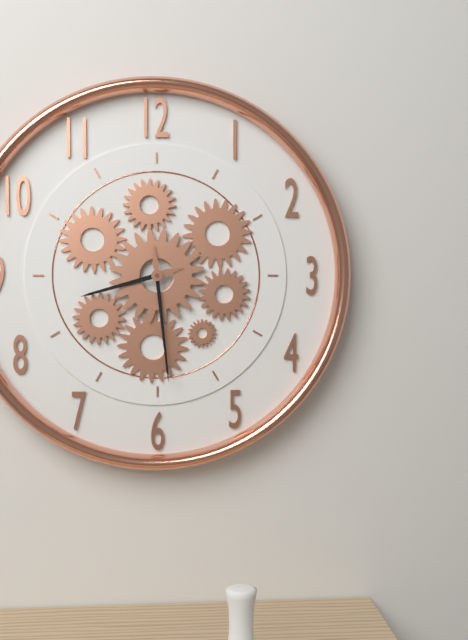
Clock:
8.29
